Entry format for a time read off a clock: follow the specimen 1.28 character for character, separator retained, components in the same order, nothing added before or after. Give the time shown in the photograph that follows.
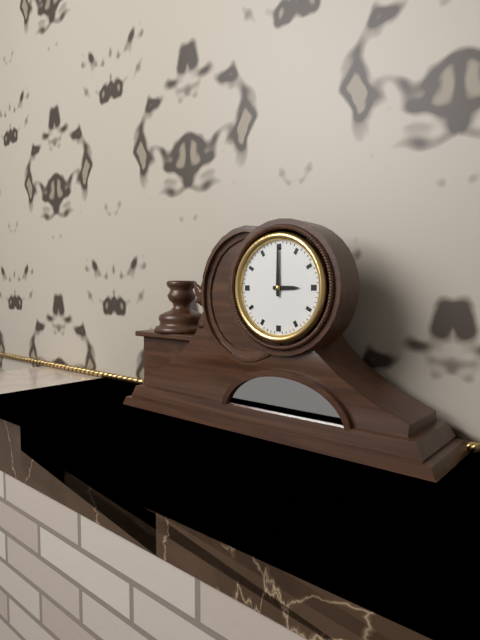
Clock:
3.00
